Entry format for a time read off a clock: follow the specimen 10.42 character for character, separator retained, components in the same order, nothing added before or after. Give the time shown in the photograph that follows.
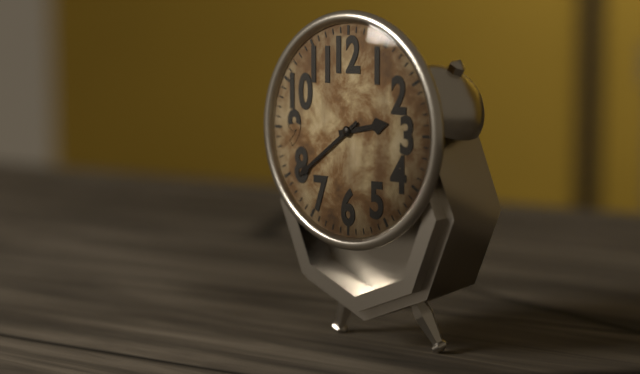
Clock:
2.39
